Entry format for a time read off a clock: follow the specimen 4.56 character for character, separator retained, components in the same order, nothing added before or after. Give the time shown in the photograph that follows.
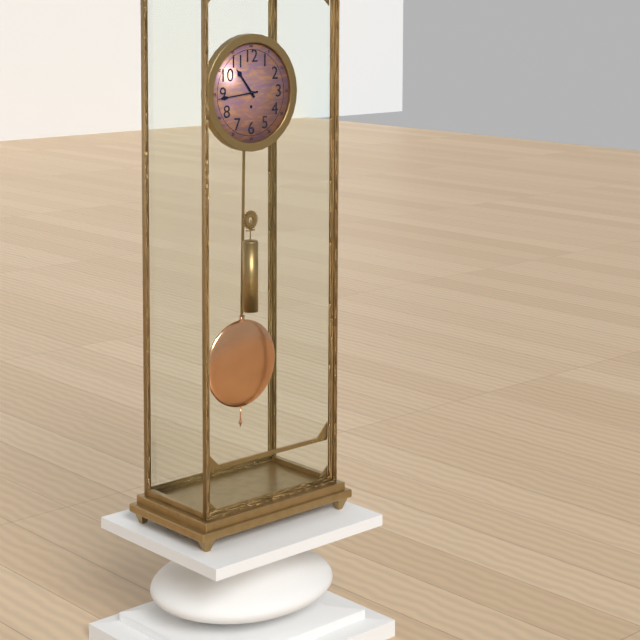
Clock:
10.44
